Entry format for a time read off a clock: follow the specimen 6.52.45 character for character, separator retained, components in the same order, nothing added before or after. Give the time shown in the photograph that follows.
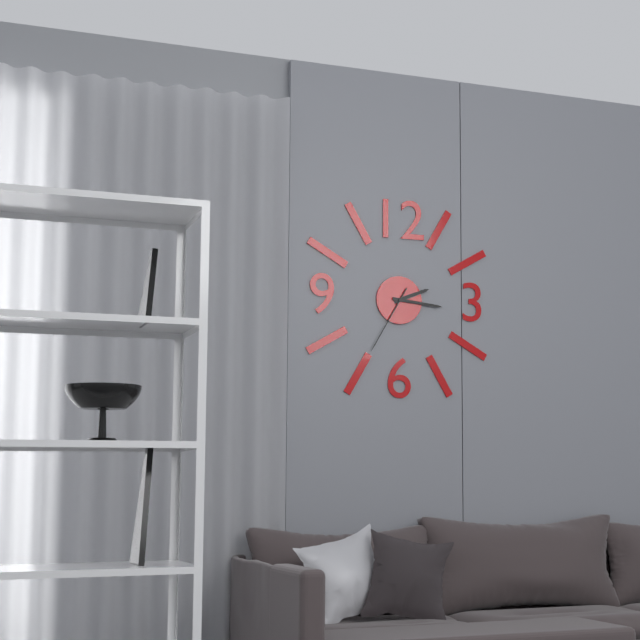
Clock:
2.16.35
